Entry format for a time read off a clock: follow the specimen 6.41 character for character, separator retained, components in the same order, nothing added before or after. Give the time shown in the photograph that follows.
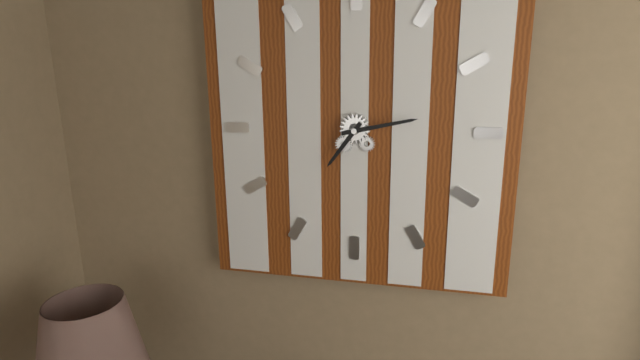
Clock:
7.13
